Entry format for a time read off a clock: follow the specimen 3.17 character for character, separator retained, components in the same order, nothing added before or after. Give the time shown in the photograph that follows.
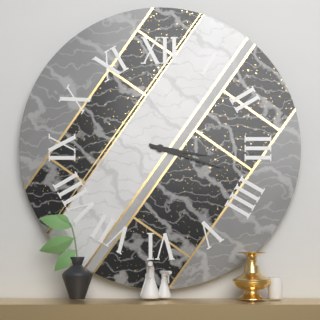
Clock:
3.18
